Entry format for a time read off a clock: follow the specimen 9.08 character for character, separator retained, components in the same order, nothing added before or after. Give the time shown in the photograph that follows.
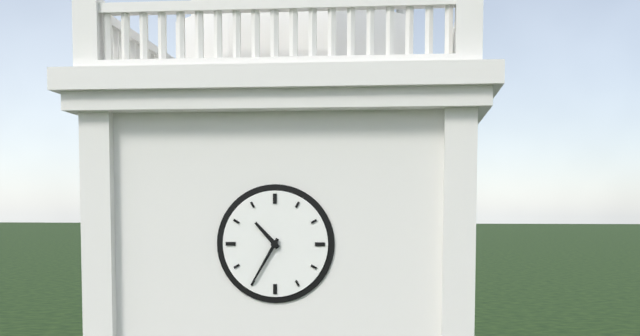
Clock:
10.35
